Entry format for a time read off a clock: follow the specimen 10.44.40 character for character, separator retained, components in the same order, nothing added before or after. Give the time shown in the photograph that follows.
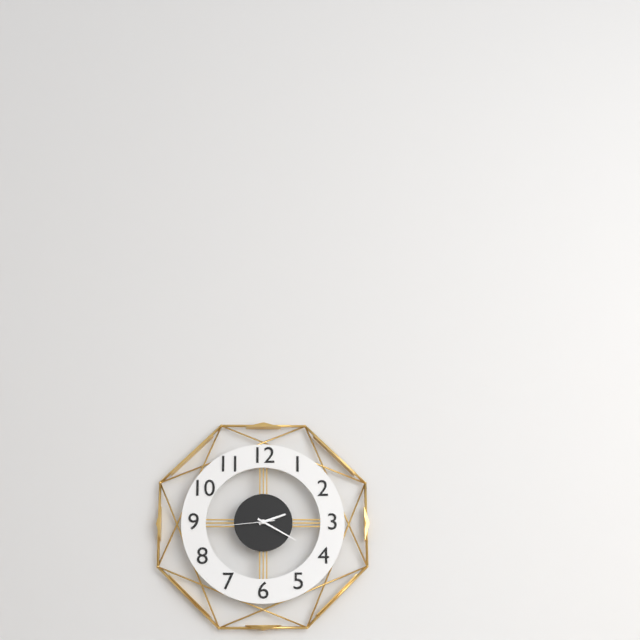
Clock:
2.20.44
